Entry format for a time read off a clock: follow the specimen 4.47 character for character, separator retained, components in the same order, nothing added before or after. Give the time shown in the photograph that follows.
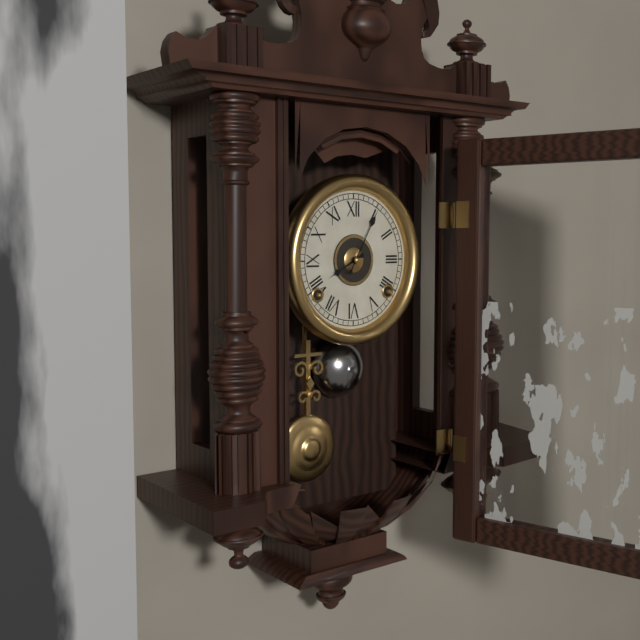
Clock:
8.05
